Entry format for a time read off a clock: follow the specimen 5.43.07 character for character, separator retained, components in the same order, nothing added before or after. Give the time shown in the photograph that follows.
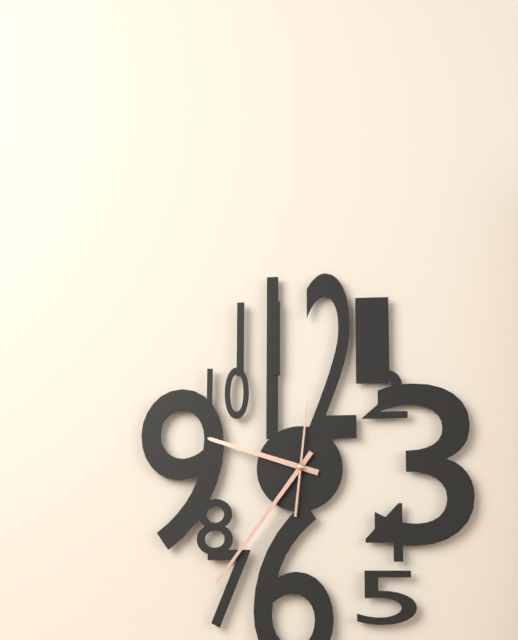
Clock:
9.36.01
